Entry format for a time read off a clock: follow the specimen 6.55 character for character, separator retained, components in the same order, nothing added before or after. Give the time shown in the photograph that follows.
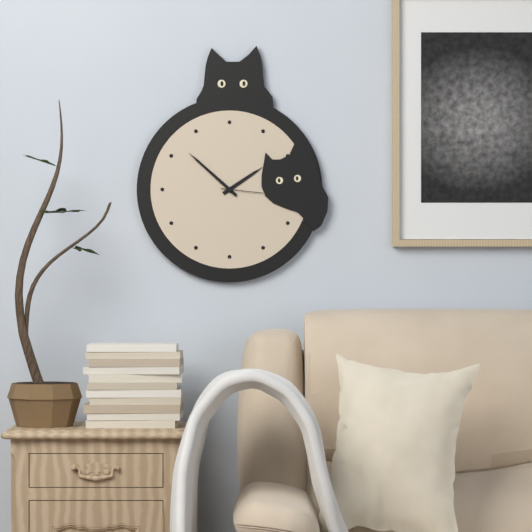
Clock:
1.52
